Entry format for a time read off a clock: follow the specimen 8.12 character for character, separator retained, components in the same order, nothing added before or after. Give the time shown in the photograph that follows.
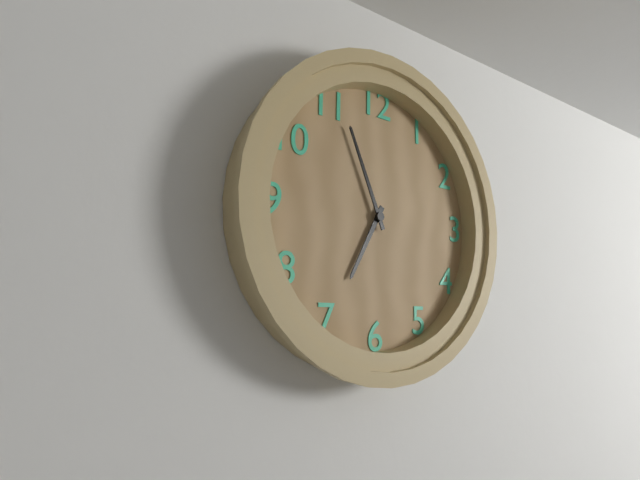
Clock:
6.56
